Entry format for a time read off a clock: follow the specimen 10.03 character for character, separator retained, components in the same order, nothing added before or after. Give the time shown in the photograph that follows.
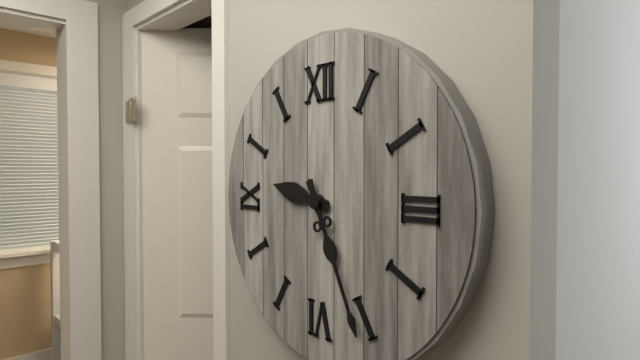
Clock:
9.26
